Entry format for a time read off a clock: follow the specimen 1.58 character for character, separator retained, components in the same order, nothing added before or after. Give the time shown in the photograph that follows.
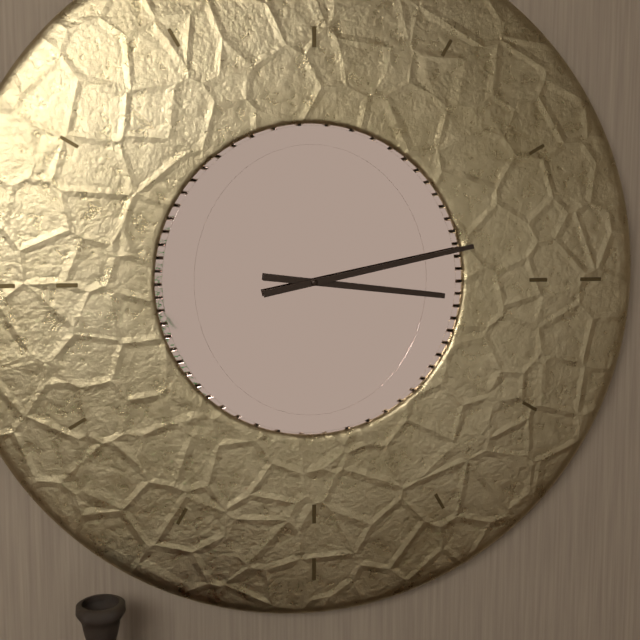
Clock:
3.13
